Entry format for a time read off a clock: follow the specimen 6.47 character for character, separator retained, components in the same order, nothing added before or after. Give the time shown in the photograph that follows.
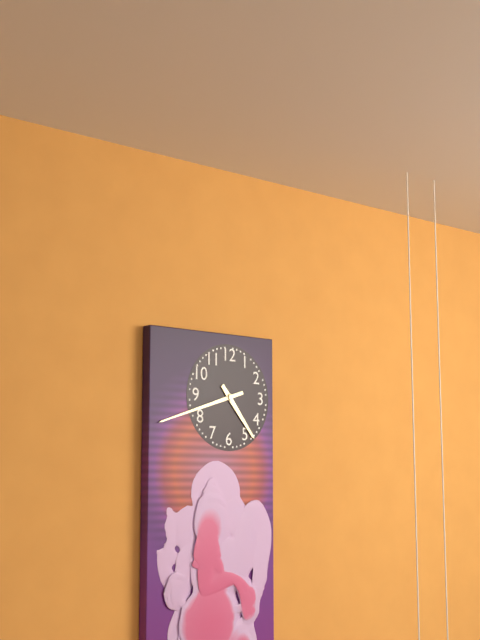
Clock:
4.42
